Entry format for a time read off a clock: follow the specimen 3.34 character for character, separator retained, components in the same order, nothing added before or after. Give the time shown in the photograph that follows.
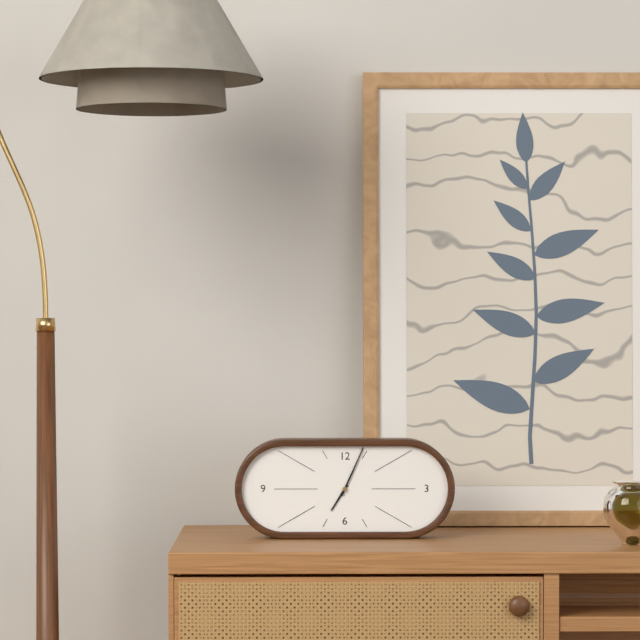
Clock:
7.04
